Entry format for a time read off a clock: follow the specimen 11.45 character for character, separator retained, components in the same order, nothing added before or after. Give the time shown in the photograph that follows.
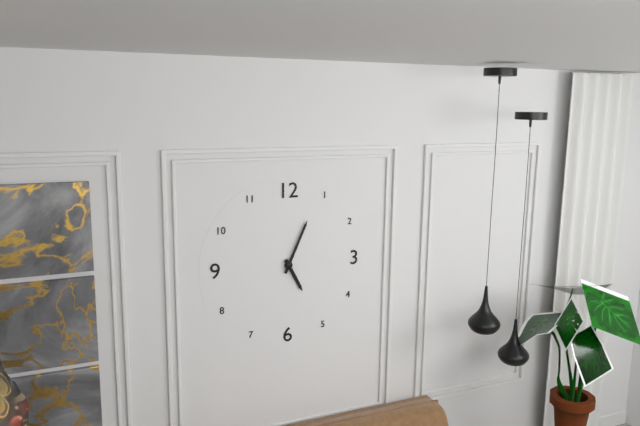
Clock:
5.04
